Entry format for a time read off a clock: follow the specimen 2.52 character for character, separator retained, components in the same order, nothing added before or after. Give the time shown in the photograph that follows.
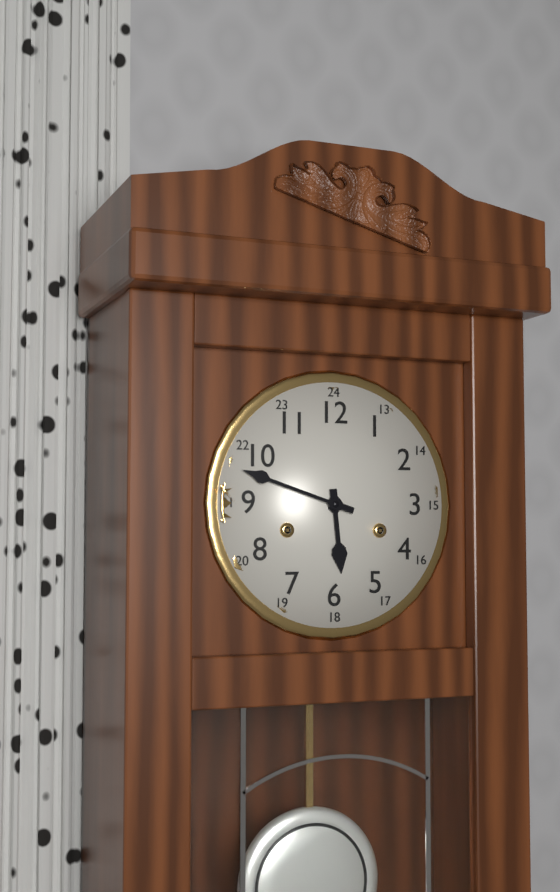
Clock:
5.48
